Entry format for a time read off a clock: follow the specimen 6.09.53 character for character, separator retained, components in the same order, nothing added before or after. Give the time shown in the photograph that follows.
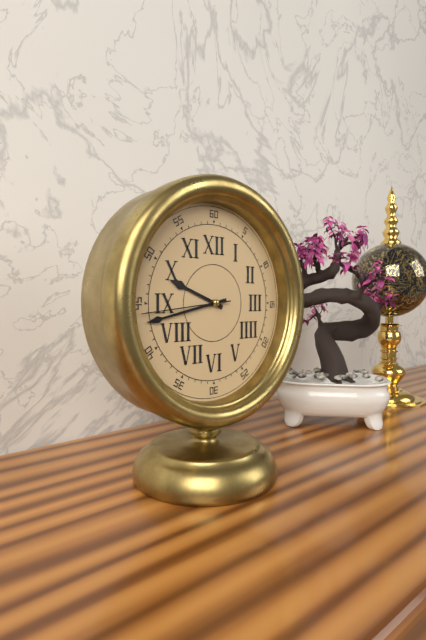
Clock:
9.43.44
